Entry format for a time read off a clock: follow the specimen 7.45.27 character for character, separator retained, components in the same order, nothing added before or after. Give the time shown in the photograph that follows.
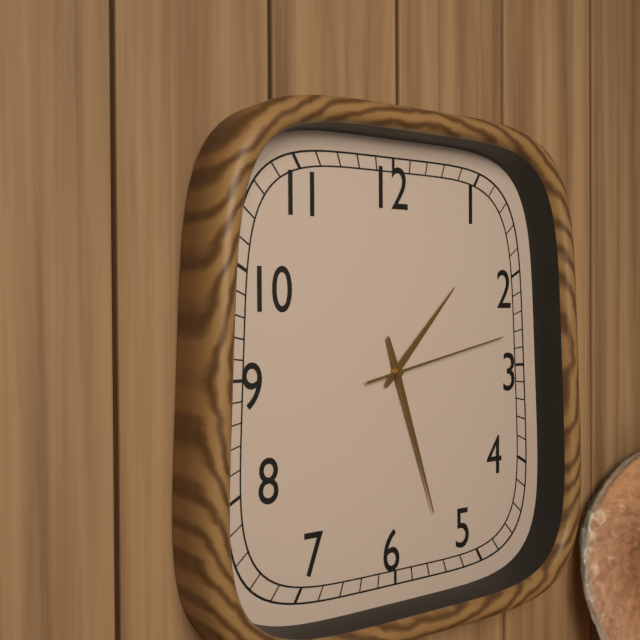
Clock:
1.27.13
